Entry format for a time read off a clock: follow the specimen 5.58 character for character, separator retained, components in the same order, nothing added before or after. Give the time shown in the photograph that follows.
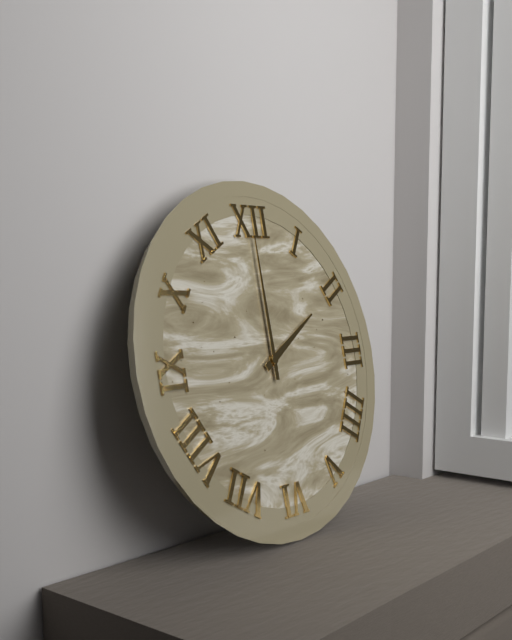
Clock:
2.00
